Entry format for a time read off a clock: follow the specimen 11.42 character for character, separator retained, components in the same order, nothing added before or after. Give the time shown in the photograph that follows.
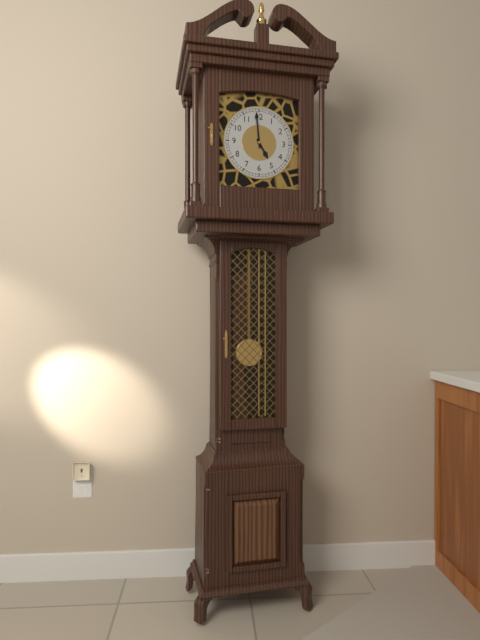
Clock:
4.59
